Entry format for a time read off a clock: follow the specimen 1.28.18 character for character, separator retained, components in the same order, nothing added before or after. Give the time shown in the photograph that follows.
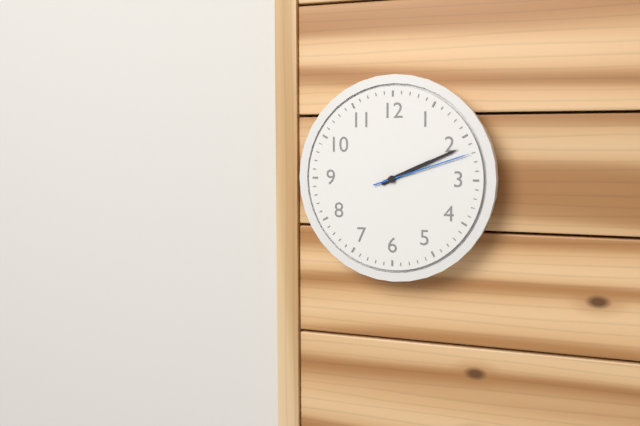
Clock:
2.11.12
